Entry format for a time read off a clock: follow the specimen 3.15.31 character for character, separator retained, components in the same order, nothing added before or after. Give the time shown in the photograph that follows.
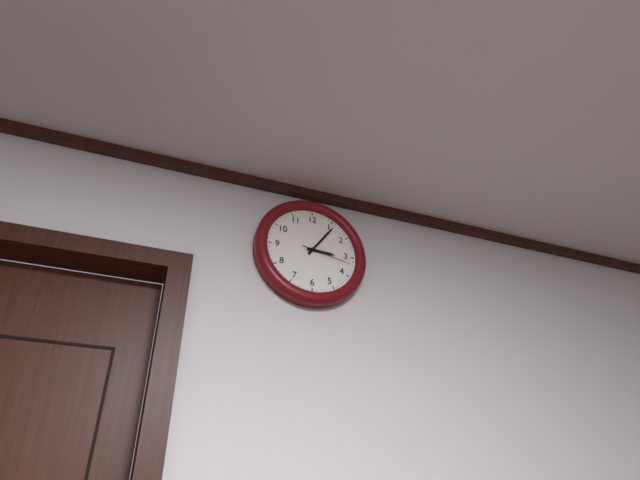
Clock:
3.06.17
